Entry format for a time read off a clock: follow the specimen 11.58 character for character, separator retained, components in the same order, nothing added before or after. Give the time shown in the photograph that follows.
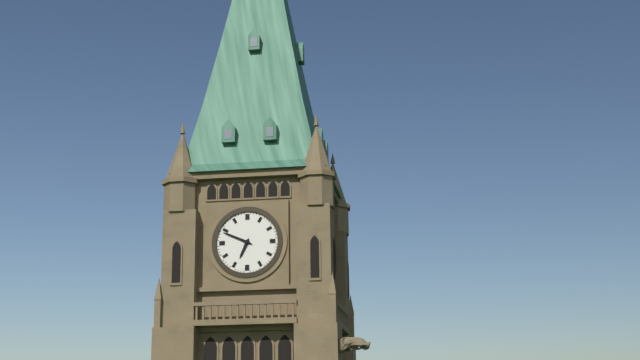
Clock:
6.49
